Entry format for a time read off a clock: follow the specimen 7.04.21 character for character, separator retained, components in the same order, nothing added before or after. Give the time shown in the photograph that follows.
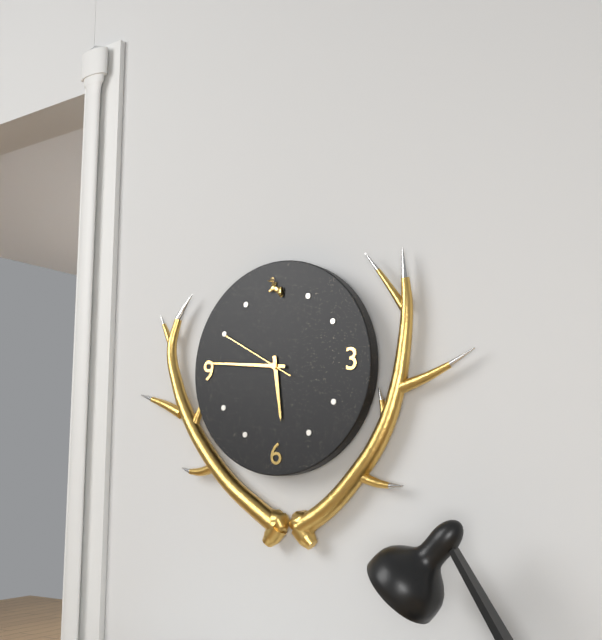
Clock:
5.46.50
